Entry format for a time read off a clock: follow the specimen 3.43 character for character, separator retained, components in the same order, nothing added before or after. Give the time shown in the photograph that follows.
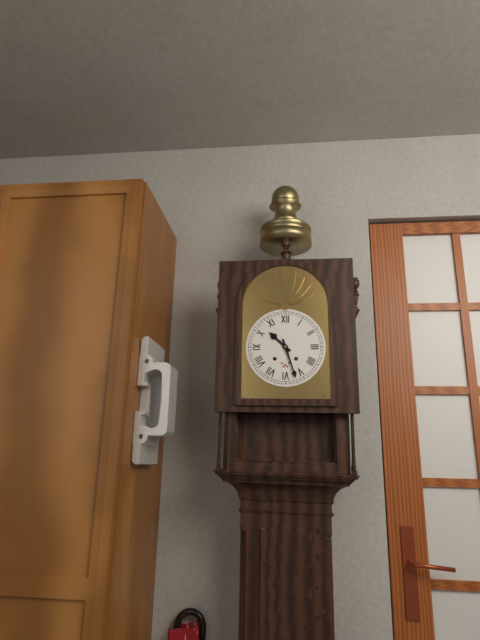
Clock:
10.27
